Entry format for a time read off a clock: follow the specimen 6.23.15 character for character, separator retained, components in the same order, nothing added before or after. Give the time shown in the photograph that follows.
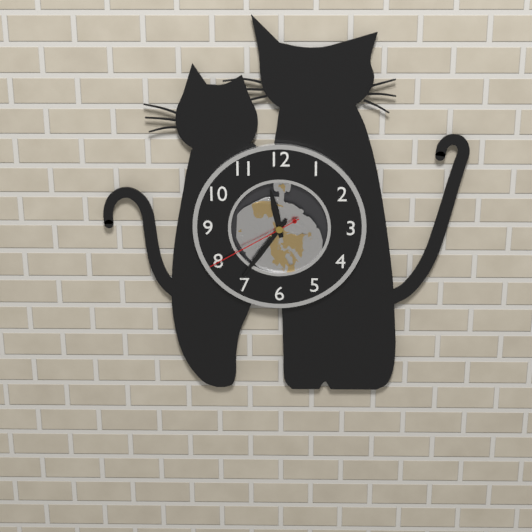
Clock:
11.36.40
